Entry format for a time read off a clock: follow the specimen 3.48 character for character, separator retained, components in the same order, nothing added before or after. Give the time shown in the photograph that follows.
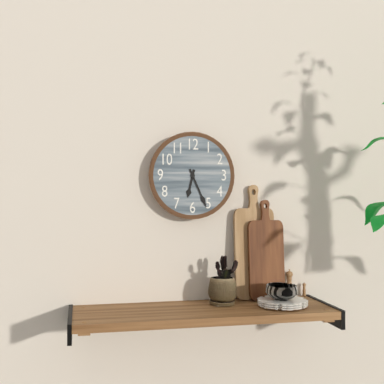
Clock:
6.26
